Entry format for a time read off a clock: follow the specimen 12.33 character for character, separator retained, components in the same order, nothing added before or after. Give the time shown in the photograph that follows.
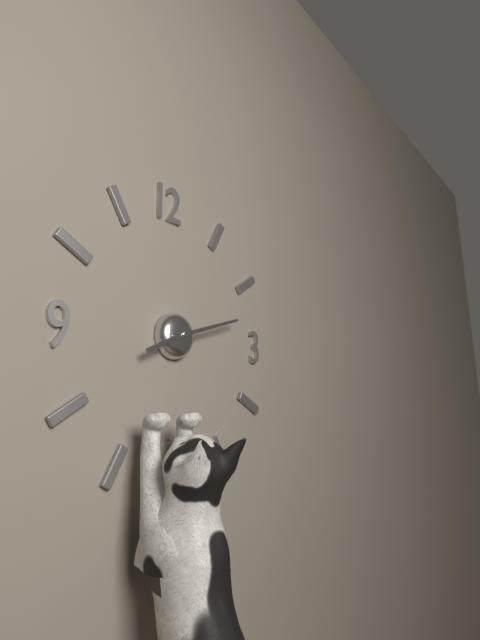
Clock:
8.12
